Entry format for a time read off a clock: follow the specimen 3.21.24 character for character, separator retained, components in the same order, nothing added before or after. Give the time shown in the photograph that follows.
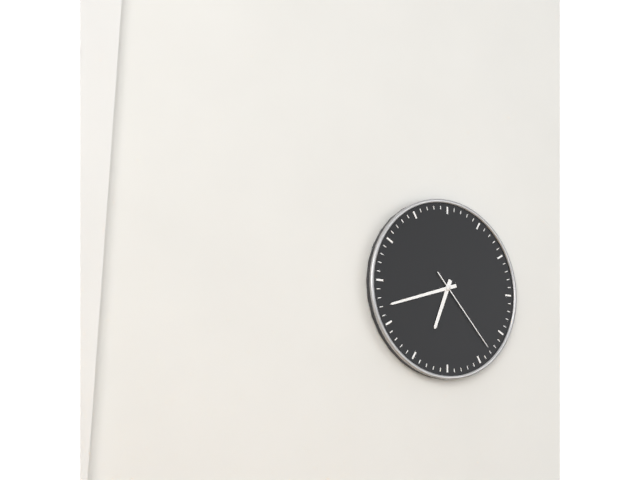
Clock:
6.42.23
